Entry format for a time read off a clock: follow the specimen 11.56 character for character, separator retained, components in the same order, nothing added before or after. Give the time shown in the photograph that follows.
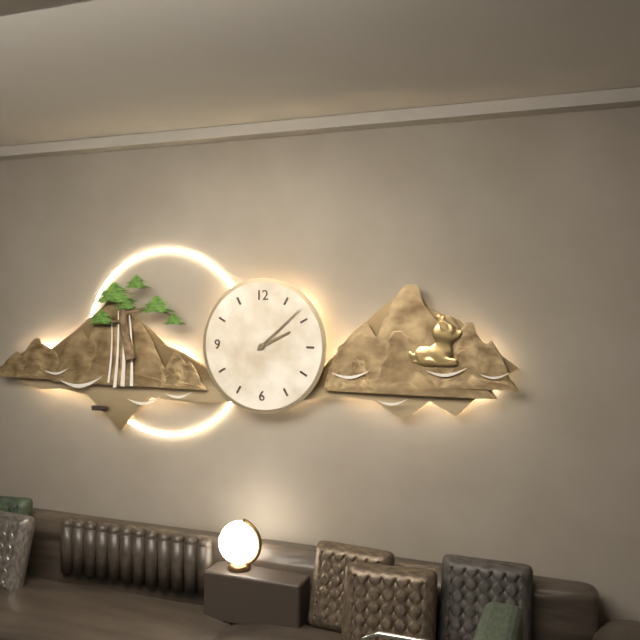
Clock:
2.08
